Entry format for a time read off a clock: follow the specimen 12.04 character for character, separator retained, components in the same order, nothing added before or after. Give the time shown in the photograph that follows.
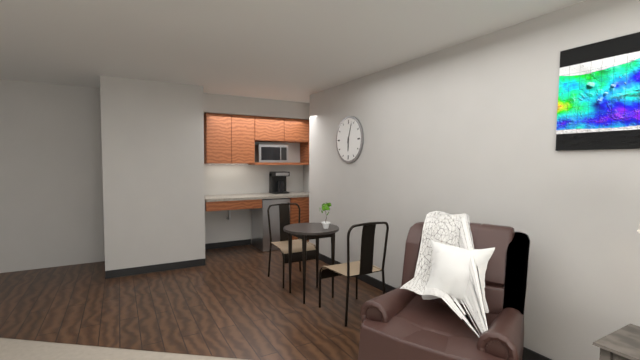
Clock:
6.03
